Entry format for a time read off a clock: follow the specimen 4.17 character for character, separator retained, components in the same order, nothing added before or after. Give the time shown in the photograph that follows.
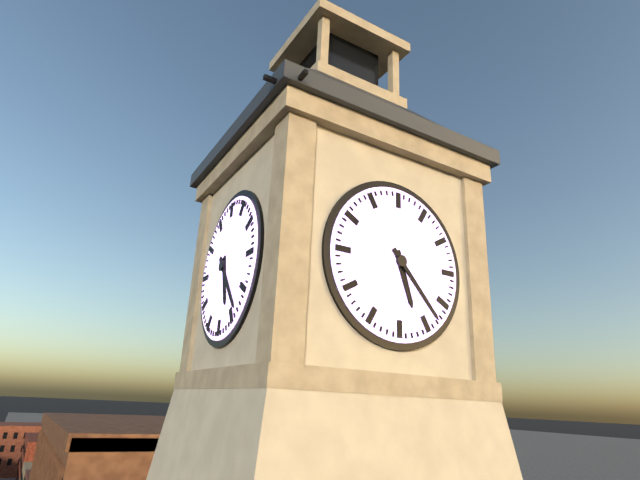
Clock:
5.23
